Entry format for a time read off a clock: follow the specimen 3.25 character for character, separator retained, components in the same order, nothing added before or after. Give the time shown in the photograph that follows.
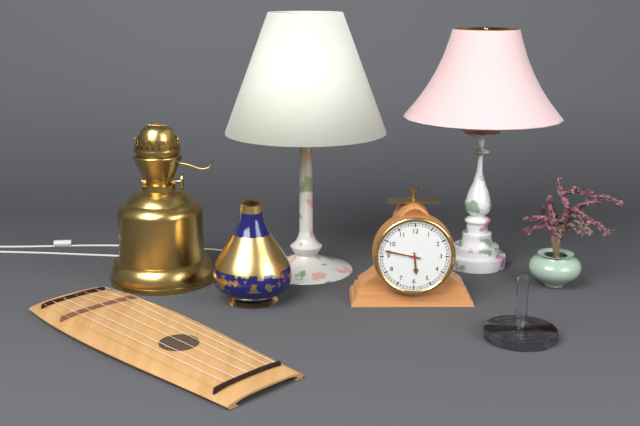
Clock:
5.47
